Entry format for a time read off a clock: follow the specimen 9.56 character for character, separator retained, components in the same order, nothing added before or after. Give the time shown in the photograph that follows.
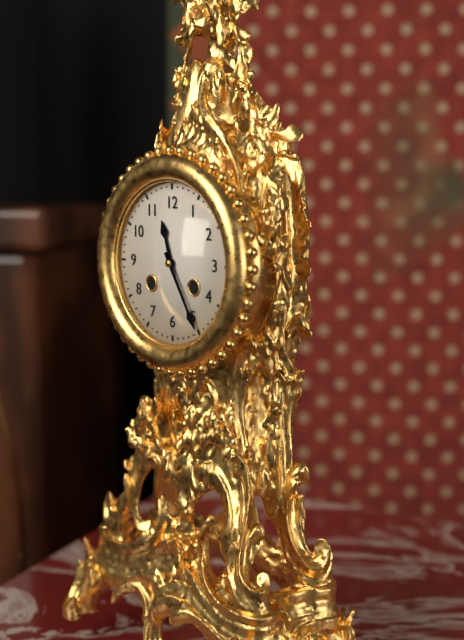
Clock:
11.25
